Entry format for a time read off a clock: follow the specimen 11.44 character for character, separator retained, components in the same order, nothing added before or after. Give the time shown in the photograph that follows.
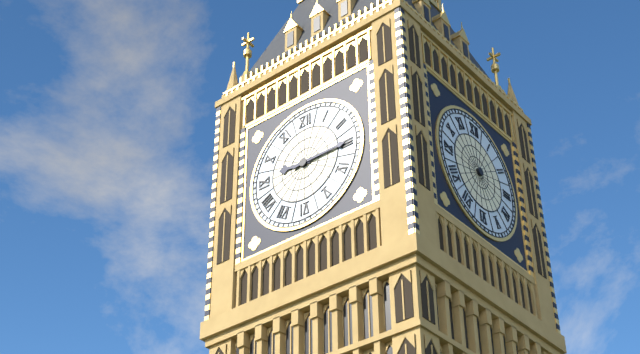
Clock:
9.15
